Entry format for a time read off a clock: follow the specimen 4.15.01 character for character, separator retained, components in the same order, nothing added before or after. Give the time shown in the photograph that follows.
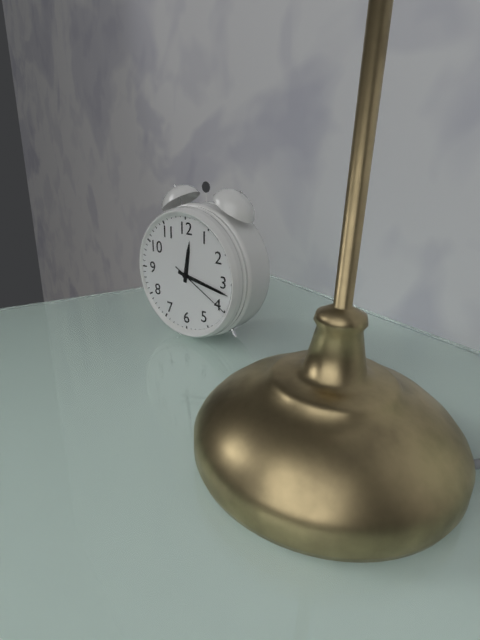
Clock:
12.17.20
